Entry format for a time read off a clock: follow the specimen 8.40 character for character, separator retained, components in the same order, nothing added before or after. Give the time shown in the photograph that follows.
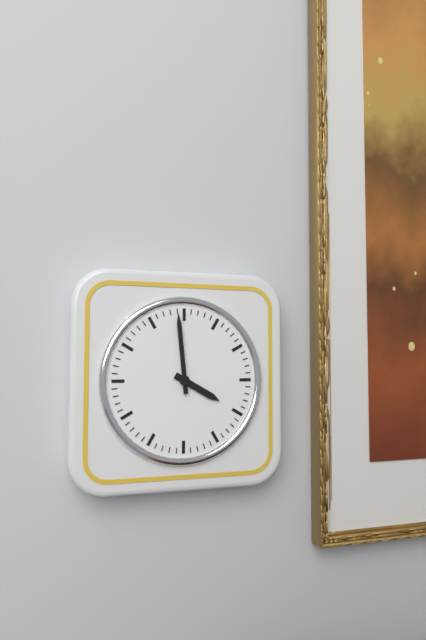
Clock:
3.59
